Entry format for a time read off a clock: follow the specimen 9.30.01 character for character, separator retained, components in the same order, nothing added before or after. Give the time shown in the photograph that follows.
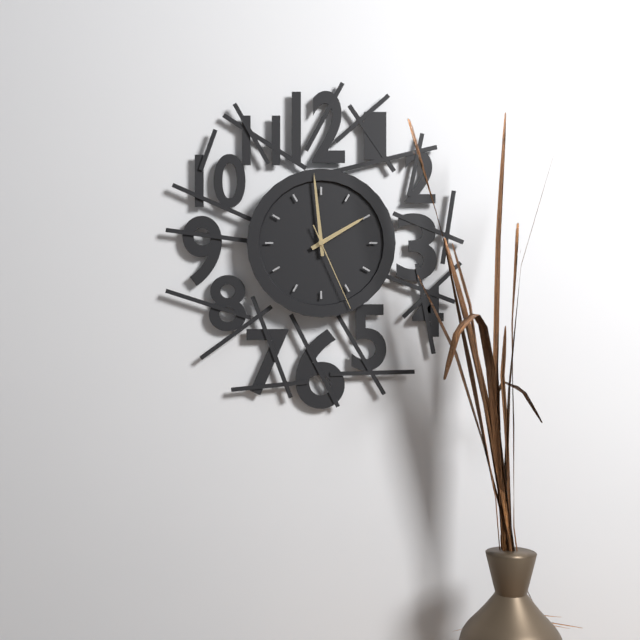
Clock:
1.59.26
